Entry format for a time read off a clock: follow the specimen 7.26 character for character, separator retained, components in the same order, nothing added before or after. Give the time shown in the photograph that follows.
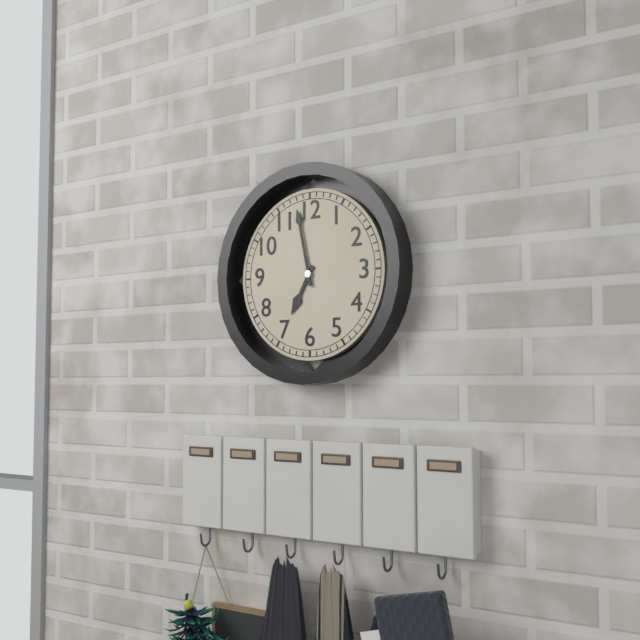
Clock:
6.58
